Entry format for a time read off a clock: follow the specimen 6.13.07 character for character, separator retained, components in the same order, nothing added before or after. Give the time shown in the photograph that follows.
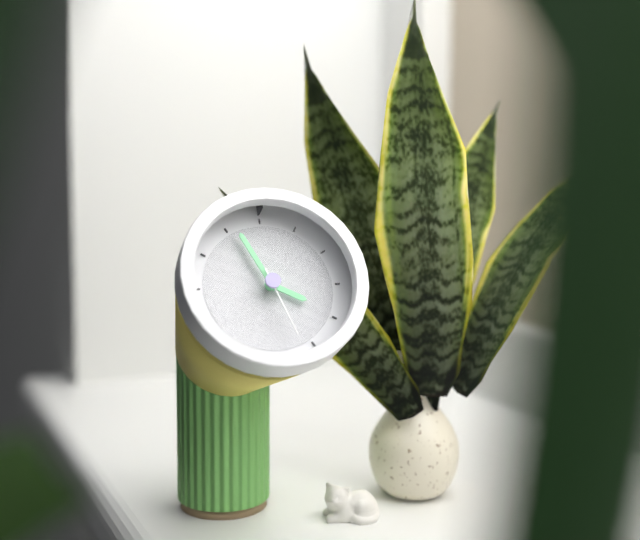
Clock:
3.56.27
